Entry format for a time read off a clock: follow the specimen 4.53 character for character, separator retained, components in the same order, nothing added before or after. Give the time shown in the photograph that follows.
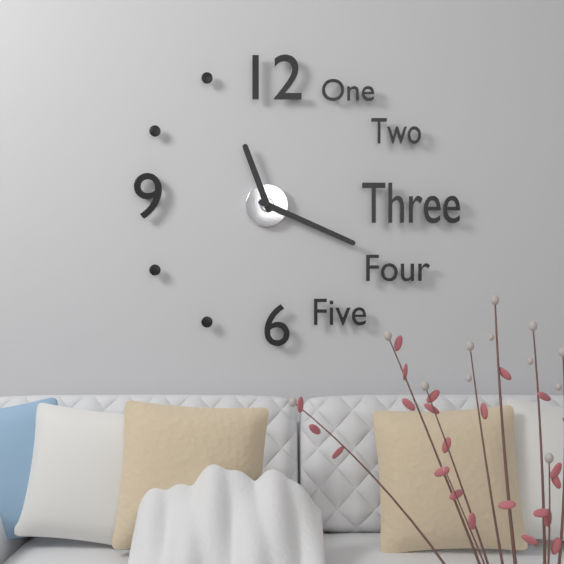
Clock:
11.19
